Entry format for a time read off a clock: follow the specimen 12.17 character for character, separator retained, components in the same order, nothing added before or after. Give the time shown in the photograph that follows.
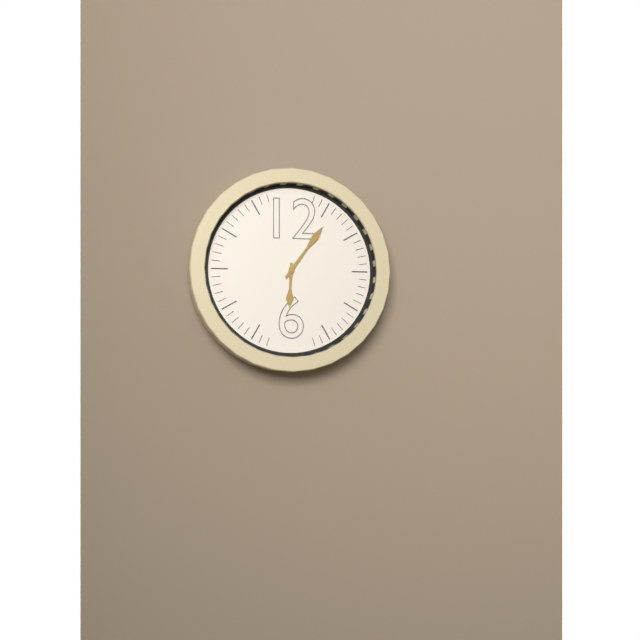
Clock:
6.06
